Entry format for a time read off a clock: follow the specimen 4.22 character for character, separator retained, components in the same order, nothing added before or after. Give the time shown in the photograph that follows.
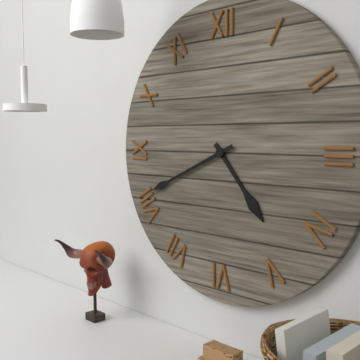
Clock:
4.41
